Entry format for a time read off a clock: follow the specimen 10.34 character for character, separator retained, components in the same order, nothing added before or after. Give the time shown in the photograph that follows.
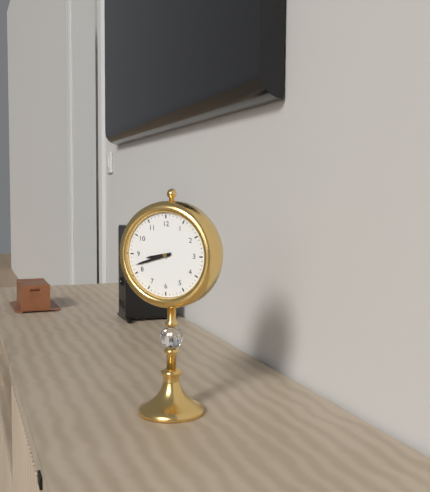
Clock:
8.42
